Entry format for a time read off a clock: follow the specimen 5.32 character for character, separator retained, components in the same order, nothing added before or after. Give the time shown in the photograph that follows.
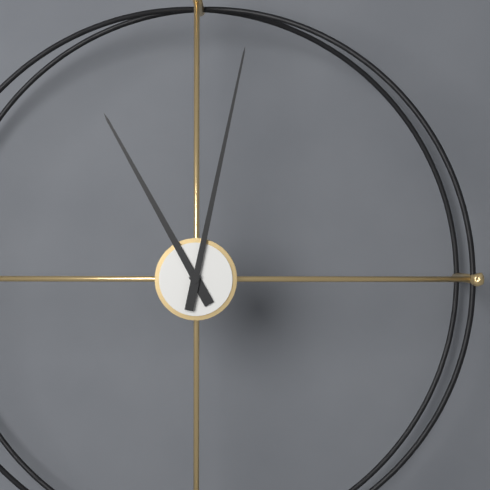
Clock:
11.02
